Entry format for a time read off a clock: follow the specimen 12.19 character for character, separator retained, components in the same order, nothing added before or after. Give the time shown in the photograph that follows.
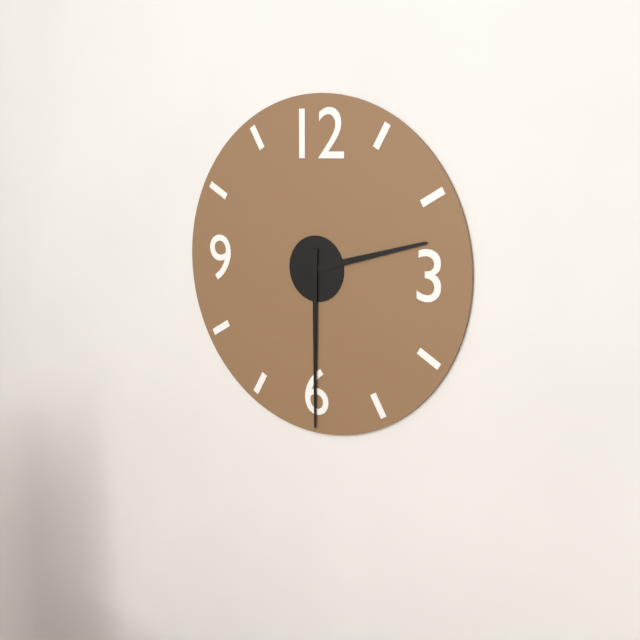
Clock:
2.30
